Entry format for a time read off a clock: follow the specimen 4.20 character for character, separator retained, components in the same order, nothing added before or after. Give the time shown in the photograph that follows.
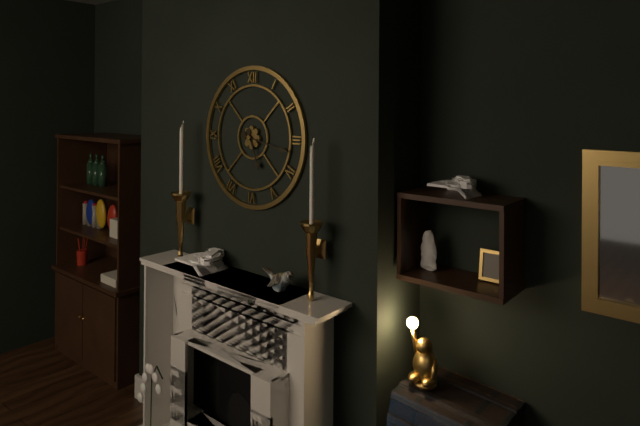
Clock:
5.17
